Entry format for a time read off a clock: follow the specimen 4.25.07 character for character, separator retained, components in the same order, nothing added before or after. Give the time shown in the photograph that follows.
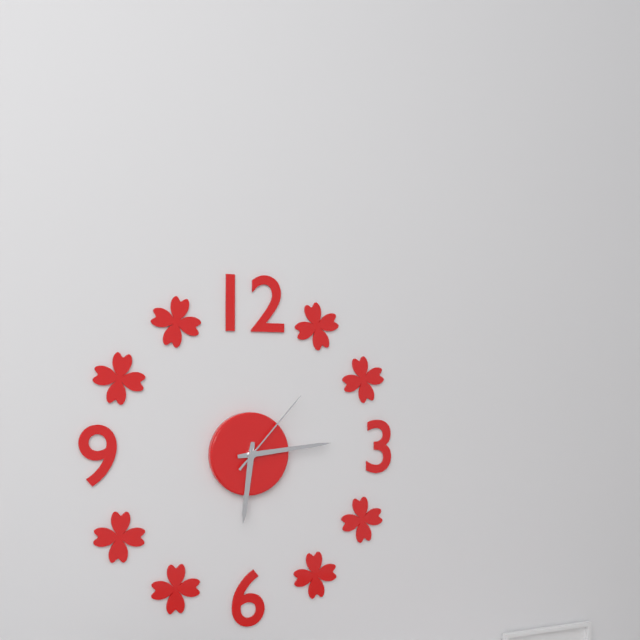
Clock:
6.14.07
